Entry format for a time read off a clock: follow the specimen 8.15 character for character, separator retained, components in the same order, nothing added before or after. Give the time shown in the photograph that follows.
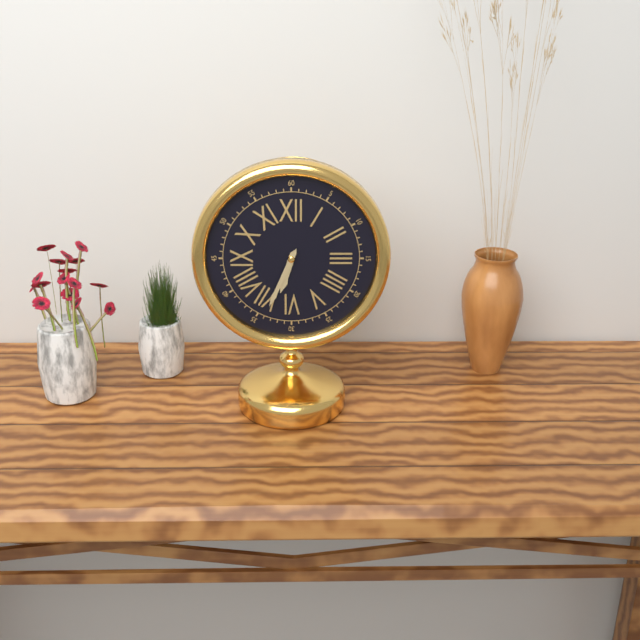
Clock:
6.34
